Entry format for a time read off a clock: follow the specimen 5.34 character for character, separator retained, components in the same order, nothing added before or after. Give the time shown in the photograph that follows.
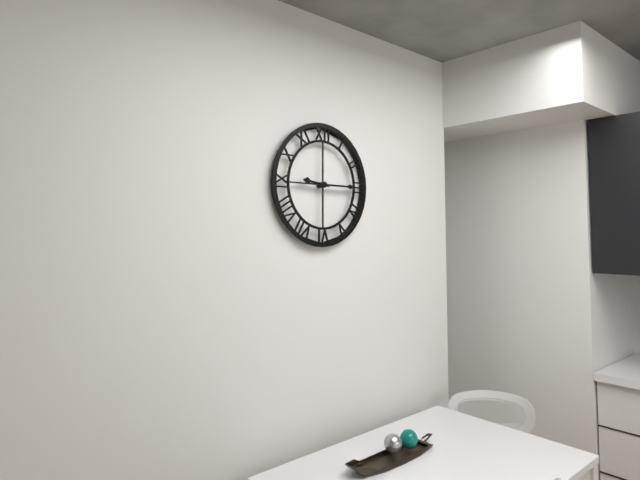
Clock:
9.15
